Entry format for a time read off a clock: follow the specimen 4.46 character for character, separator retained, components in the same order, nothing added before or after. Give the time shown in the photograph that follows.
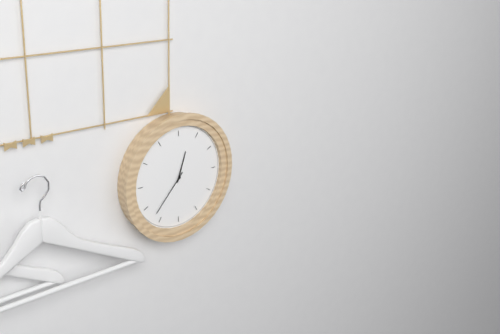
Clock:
12.37
